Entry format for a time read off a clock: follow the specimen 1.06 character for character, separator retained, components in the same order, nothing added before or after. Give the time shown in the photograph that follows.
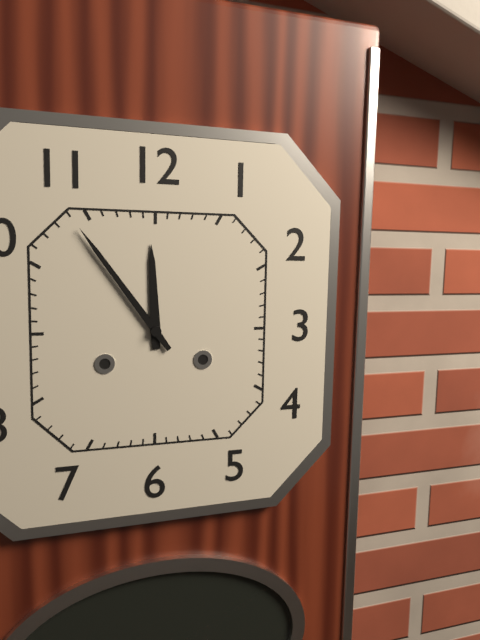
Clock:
11.54
